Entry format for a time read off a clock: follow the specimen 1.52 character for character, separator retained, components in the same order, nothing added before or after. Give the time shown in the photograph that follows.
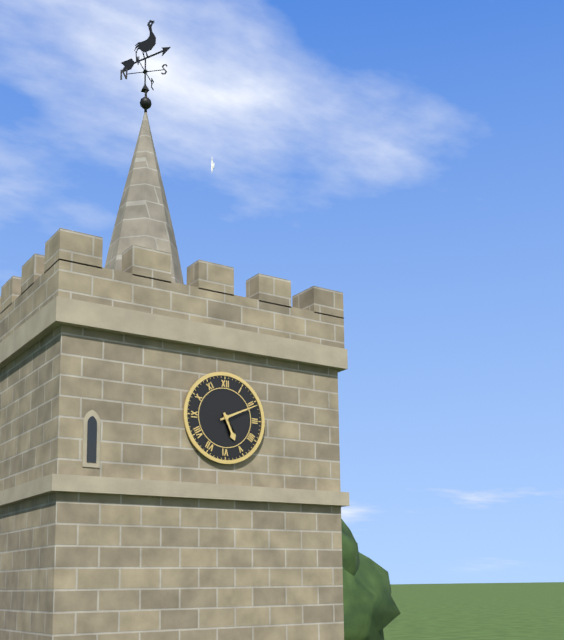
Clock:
5.11
